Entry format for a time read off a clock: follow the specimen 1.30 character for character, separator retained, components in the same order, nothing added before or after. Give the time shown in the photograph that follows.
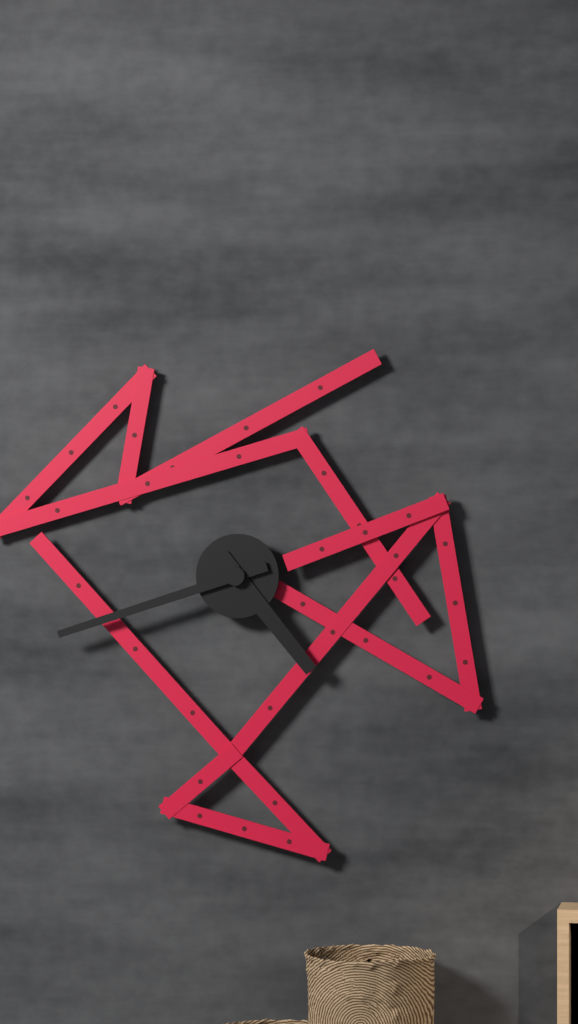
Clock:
4.42
